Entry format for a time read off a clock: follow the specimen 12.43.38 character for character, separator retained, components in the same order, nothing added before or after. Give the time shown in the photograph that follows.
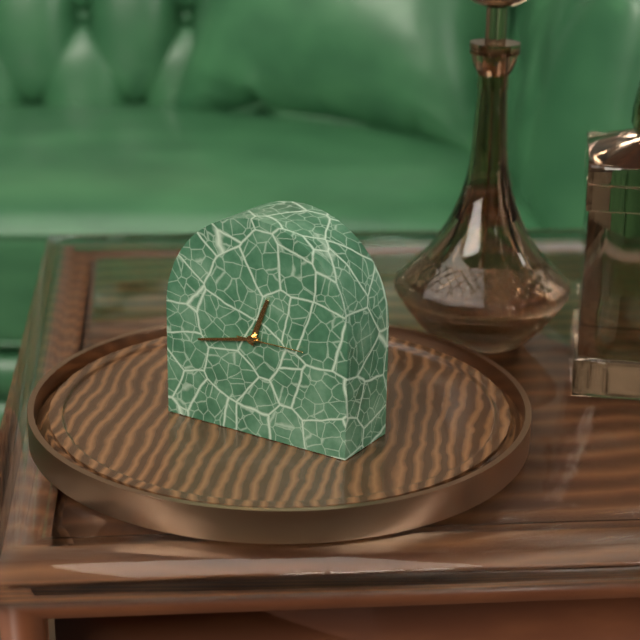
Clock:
12.43.15
